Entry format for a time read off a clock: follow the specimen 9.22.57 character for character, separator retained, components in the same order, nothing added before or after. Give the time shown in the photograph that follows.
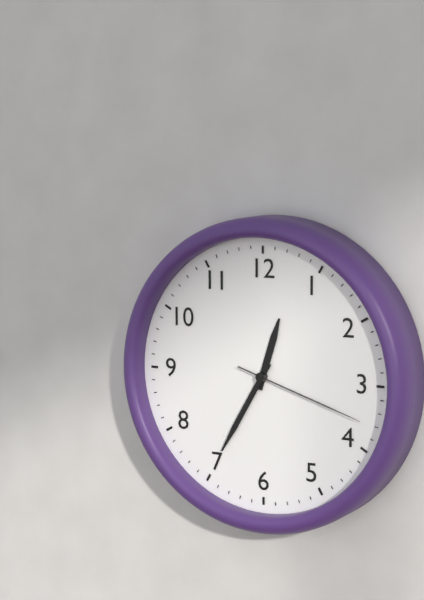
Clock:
12.35.18
